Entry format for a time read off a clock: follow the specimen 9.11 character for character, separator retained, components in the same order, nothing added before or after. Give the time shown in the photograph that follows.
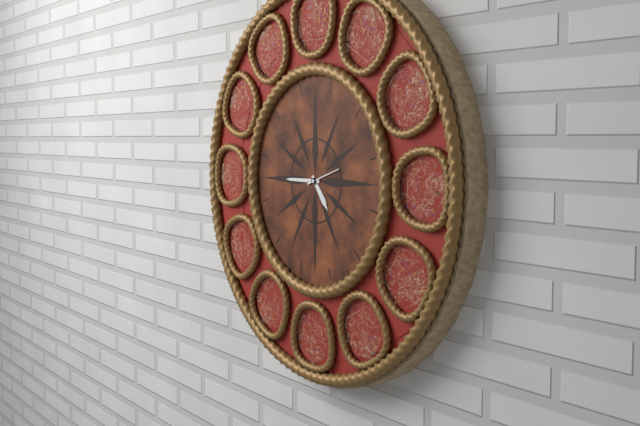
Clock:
4.45
